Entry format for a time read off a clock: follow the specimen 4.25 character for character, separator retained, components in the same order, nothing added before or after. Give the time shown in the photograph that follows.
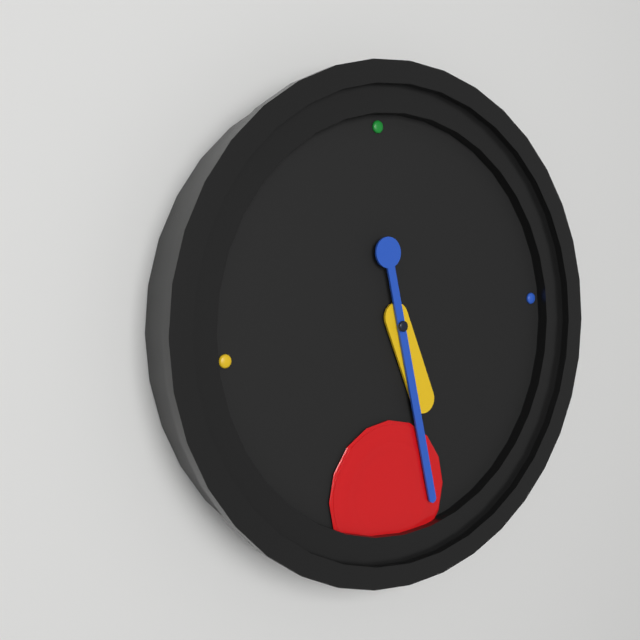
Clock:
5.29
